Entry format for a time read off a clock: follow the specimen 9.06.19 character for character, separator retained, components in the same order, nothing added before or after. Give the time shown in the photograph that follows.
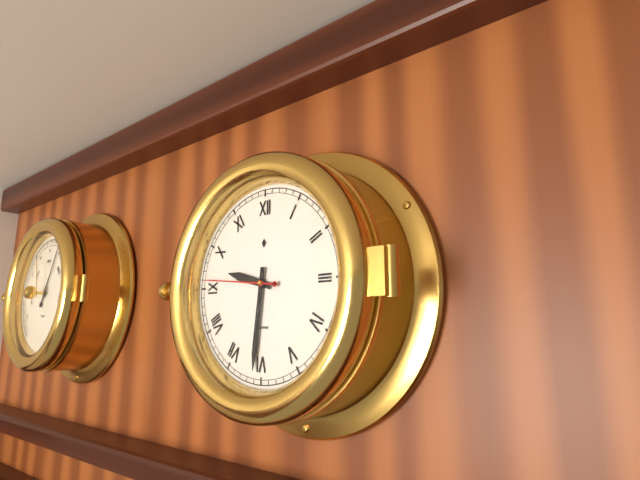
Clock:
9.31.46
